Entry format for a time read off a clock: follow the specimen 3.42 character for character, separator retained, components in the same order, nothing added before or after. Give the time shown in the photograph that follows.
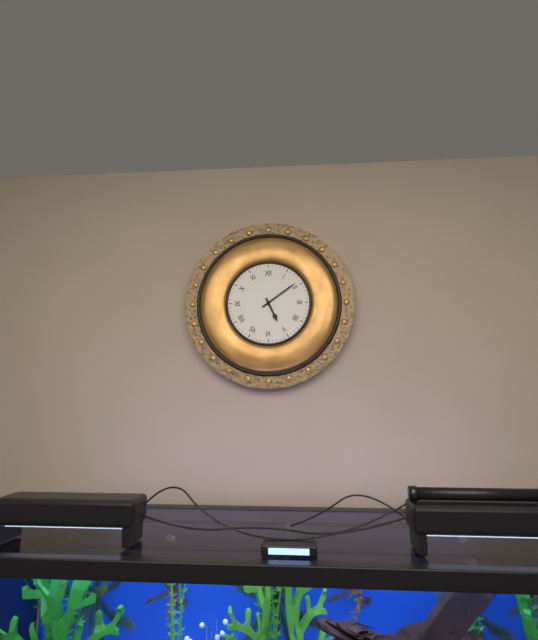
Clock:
5.09
